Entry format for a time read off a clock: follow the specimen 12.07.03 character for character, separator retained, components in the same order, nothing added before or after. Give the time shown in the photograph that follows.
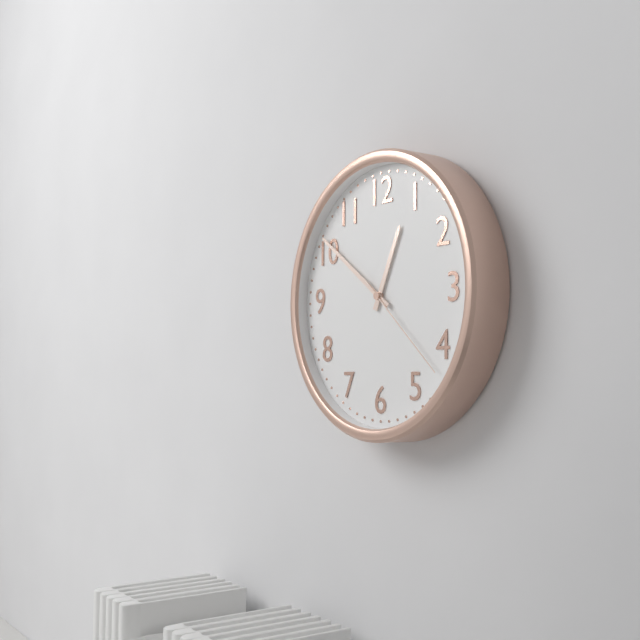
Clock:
12.51.22
